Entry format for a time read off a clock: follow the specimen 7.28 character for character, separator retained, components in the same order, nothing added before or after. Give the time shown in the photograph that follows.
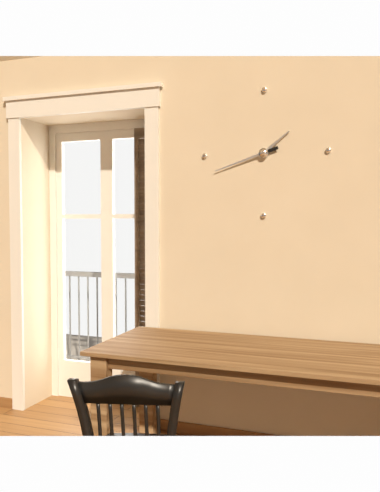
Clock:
1.42
